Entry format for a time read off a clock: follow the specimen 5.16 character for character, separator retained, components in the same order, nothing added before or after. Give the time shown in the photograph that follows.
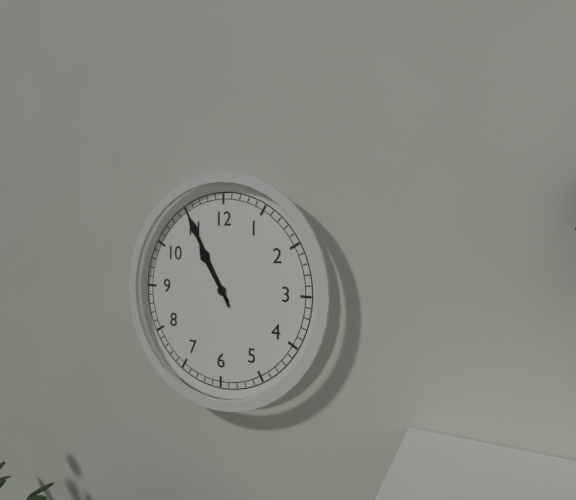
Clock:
10.55
